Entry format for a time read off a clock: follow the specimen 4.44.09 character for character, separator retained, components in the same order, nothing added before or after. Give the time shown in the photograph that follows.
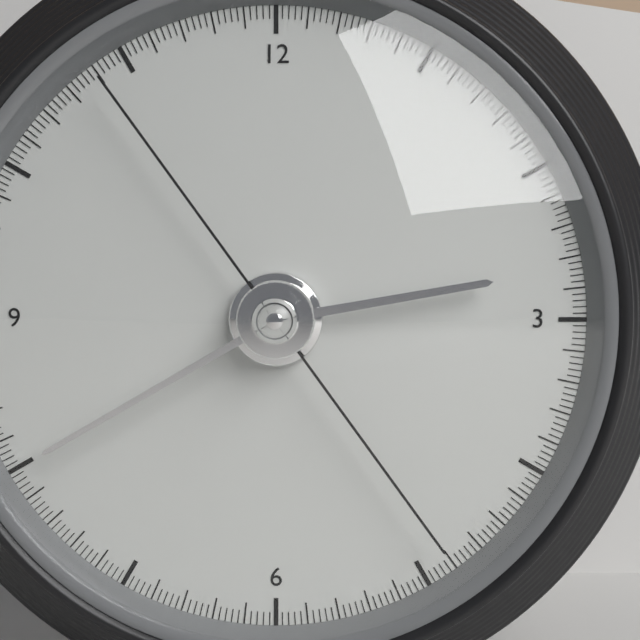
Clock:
2.40.24
